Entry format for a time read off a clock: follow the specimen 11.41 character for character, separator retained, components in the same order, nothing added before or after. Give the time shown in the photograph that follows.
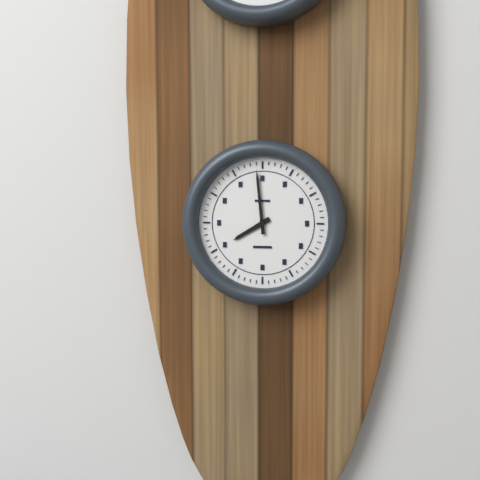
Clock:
7.59
